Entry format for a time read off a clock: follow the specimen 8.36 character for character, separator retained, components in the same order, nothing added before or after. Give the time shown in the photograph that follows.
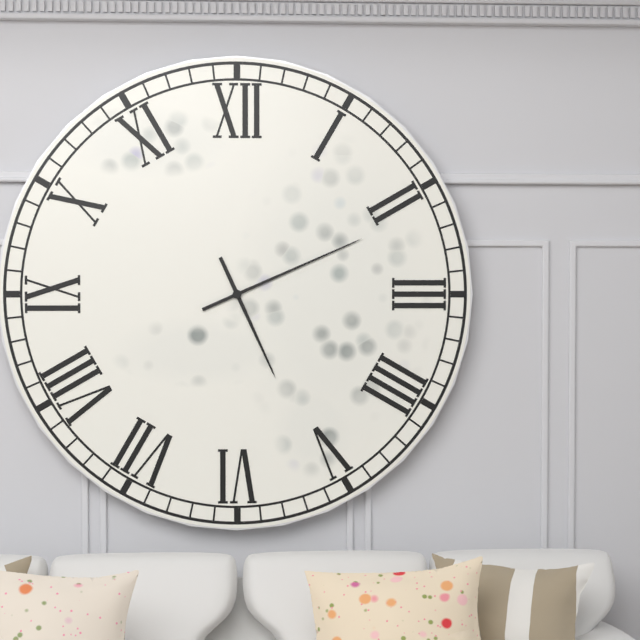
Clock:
5.11
